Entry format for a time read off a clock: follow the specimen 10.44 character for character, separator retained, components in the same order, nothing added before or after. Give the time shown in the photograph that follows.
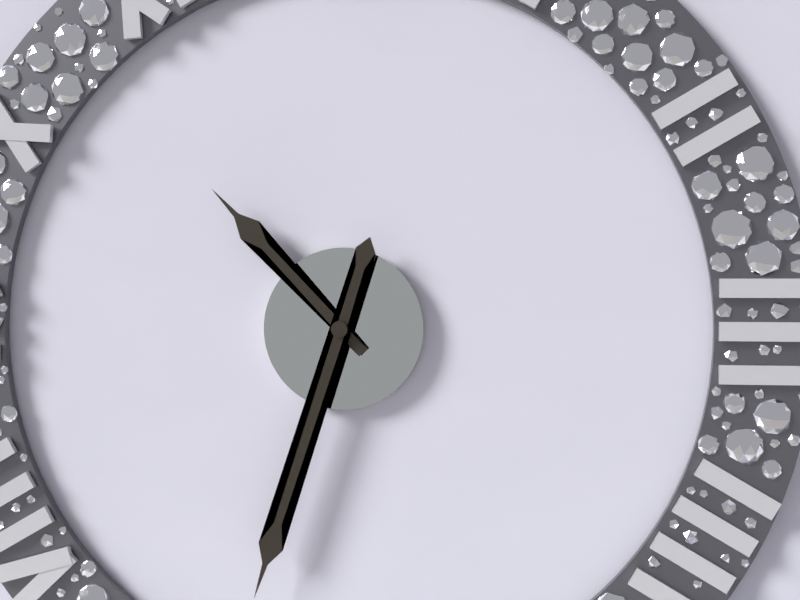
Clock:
10.33
